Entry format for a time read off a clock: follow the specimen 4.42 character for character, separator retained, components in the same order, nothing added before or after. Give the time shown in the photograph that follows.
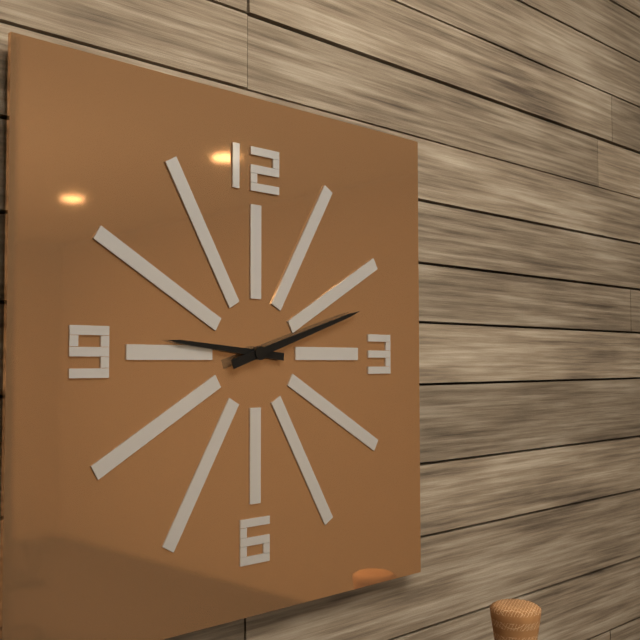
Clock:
9.12
